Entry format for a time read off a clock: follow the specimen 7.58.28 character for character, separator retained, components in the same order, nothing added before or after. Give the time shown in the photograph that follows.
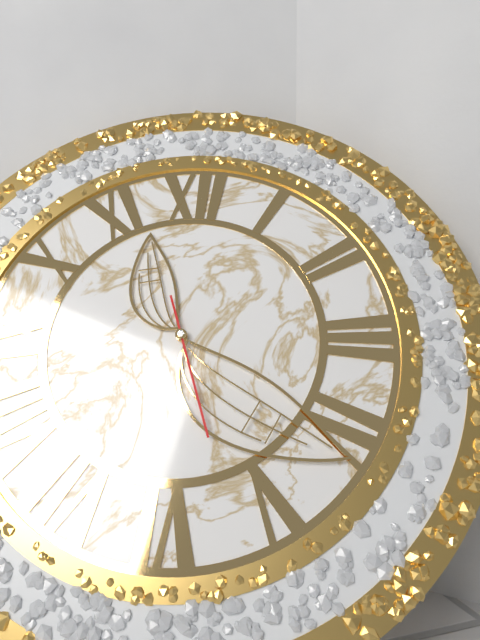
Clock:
11.21.27
